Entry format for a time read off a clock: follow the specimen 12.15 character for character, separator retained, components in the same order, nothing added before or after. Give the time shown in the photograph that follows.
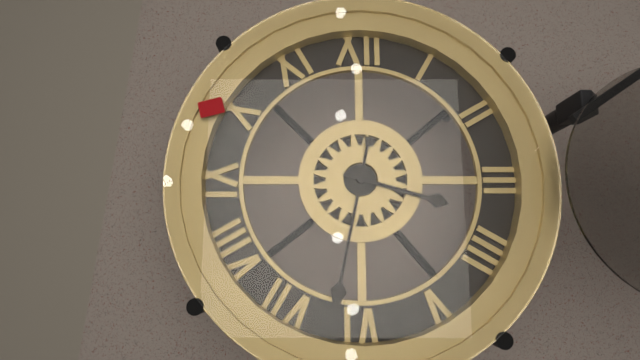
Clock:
3.32
